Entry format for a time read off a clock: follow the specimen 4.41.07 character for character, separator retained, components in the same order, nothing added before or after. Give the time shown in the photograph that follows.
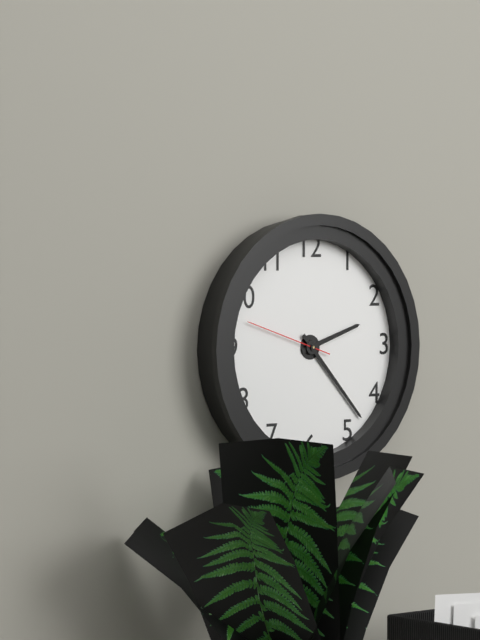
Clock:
2.23.48
